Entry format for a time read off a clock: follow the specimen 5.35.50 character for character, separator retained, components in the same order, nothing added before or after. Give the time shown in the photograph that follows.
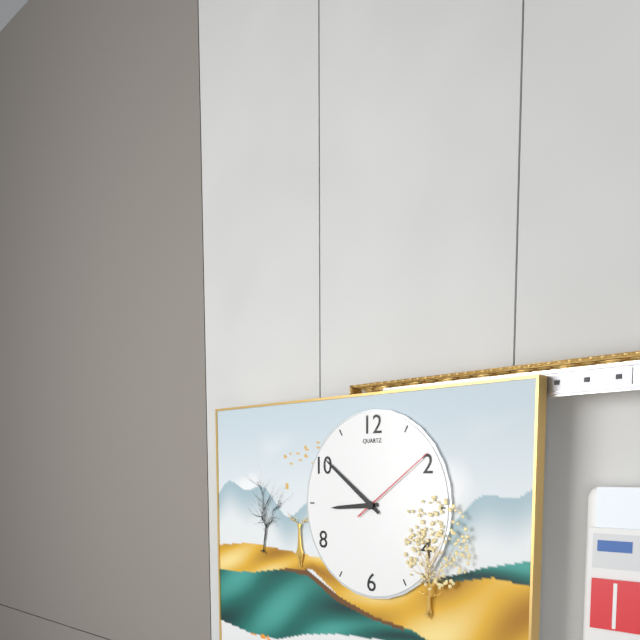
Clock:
8.51.09
